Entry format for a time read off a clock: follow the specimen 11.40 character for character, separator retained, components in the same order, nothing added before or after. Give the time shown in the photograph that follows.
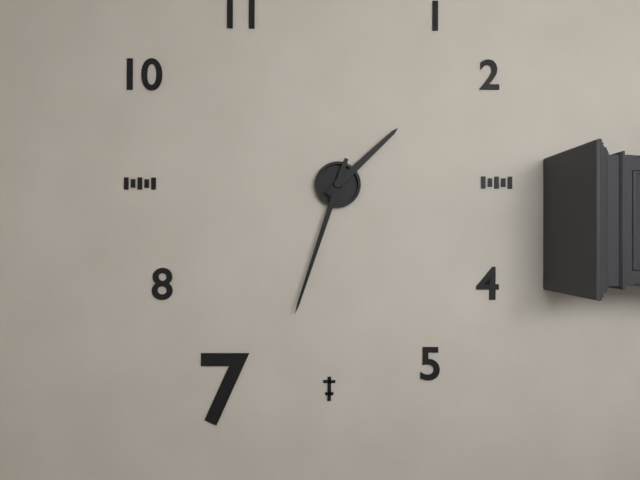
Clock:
1.33
